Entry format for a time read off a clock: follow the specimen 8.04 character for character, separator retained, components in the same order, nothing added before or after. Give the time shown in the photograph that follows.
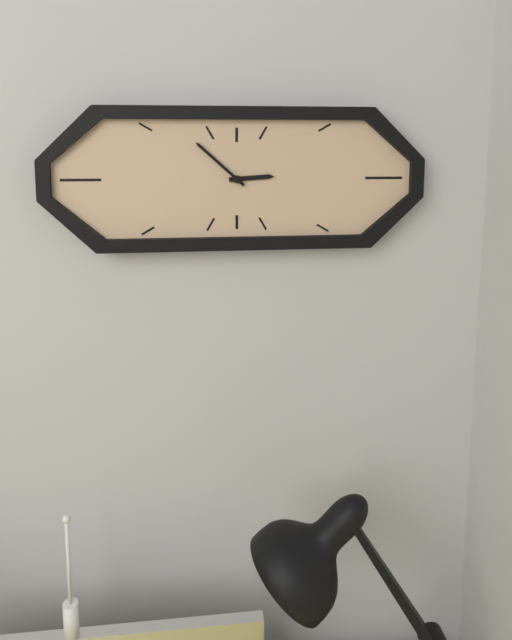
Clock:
2.52
